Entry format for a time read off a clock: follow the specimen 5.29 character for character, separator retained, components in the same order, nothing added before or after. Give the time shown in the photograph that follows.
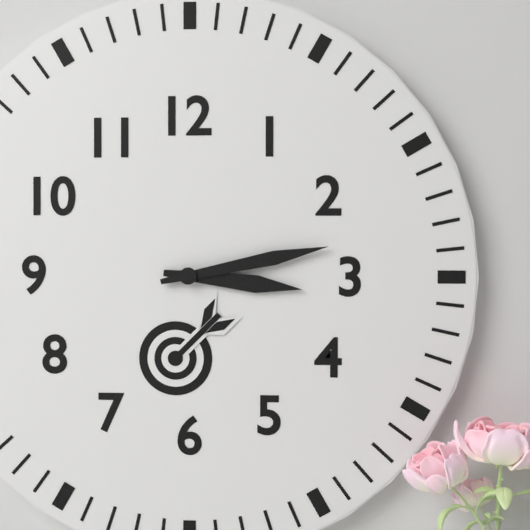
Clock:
3.13
